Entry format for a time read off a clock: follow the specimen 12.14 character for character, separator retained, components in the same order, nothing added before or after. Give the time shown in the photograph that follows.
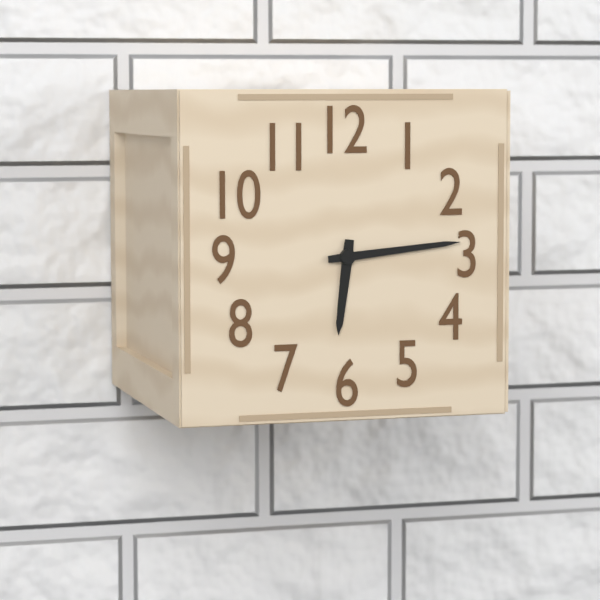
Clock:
6.14
